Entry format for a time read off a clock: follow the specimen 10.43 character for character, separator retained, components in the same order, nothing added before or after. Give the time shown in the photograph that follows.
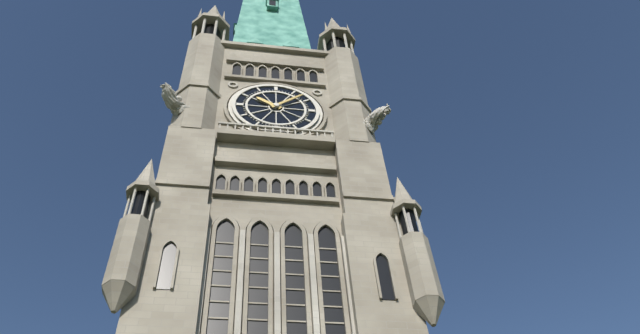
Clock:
10.08
